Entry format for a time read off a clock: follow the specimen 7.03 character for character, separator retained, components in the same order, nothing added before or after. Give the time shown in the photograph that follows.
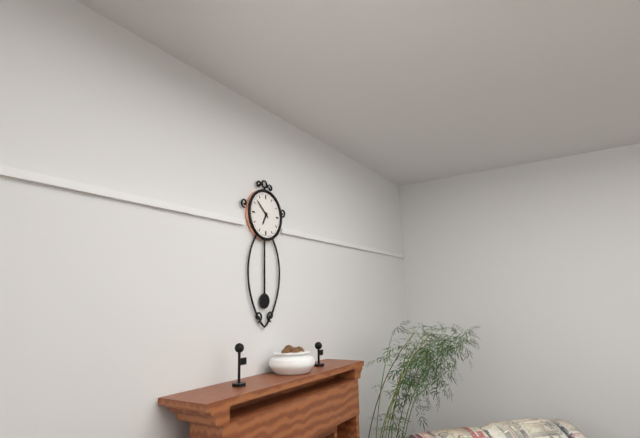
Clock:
6.52
